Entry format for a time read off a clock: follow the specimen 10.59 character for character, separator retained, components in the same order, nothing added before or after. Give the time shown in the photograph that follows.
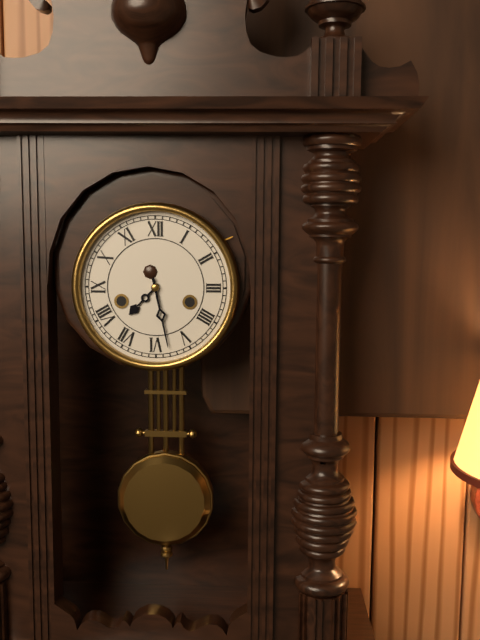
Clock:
7.28
